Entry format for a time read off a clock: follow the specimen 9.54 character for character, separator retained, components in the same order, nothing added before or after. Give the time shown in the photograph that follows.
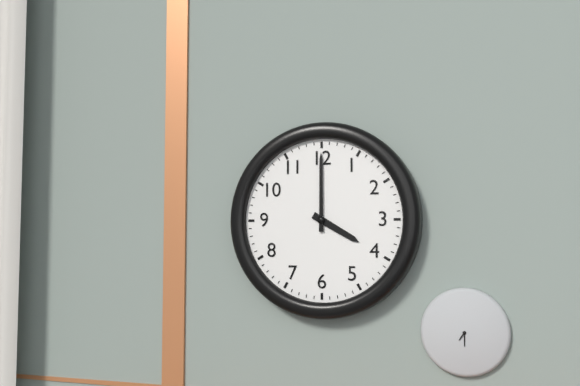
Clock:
4.00
